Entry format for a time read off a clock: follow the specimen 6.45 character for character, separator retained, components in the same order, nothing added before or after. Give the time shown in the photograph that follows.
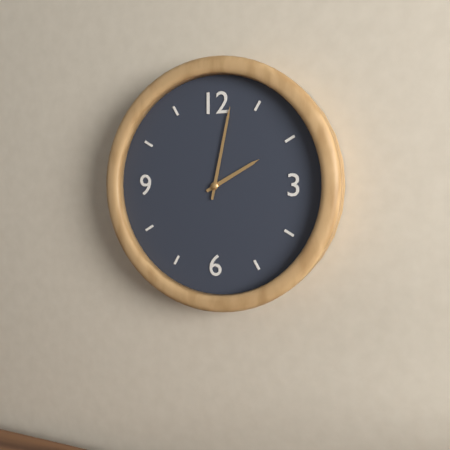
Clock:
2.02
